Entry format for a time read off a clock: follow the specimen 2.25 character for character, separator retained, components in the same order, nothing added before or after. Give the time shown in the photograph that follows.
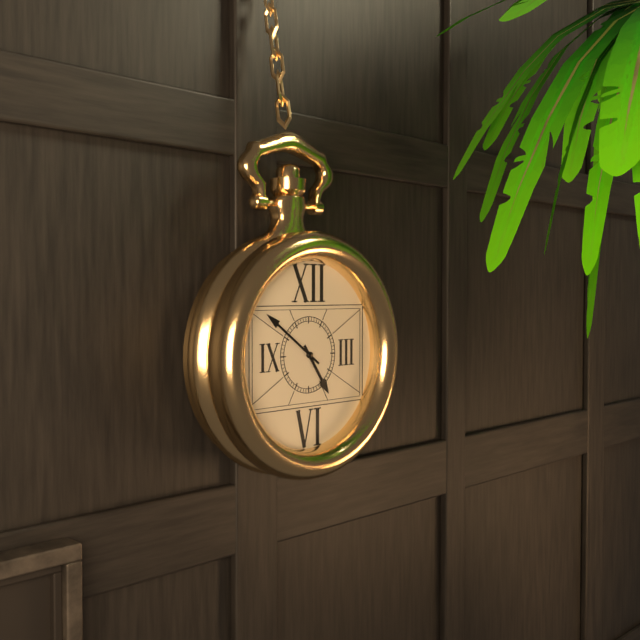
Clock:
4.51
